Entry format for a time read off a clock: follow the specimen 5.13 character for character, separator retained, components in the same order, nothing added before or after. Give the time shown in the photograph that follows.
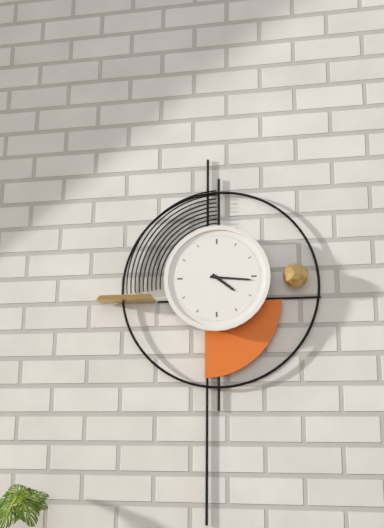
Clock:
4.16
